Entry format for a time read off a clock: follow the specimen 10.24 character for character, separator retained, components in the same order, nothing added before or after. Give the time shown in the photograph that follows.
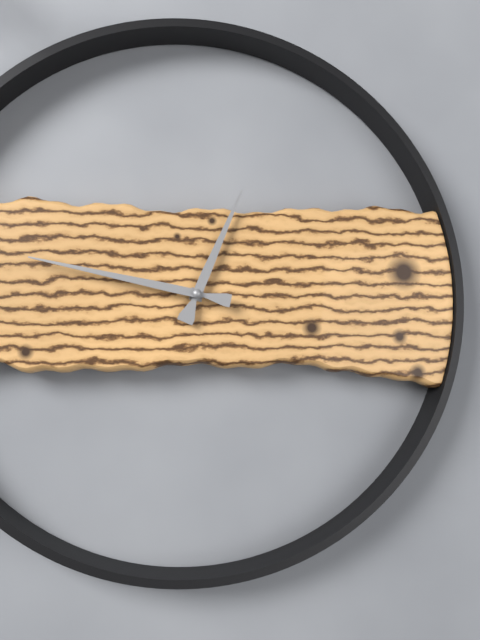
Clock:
12.47
